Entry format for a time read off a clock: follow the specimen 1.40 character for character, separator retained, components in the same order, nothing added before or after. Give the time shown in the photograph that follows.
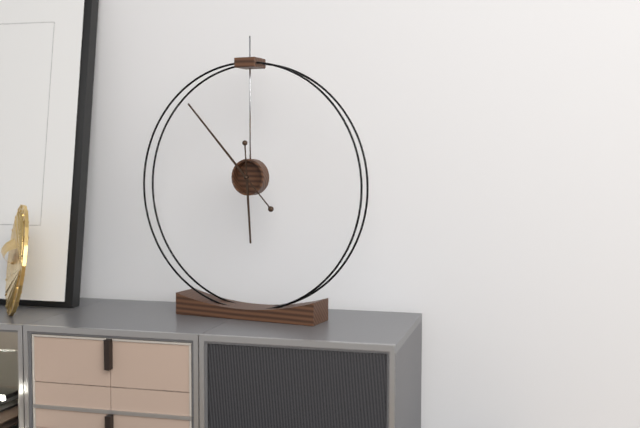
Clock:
5.53
